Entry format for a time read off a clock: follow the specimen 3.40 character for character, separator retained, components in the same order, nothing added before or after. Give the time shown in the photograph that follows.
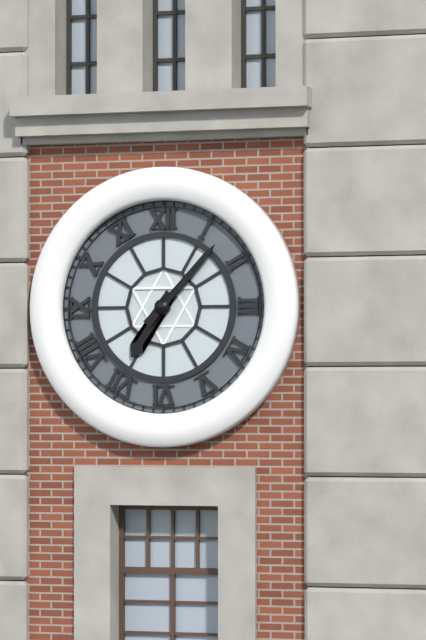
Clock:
7.07
